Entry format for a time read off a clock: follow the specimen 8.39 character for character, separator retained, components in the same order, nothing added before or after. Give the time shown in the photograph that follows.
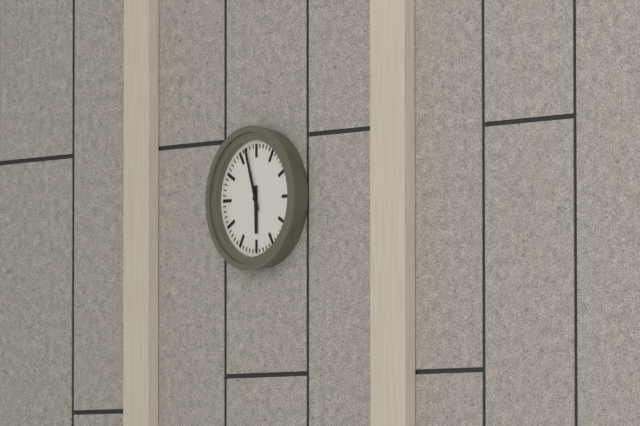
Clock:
5.57
